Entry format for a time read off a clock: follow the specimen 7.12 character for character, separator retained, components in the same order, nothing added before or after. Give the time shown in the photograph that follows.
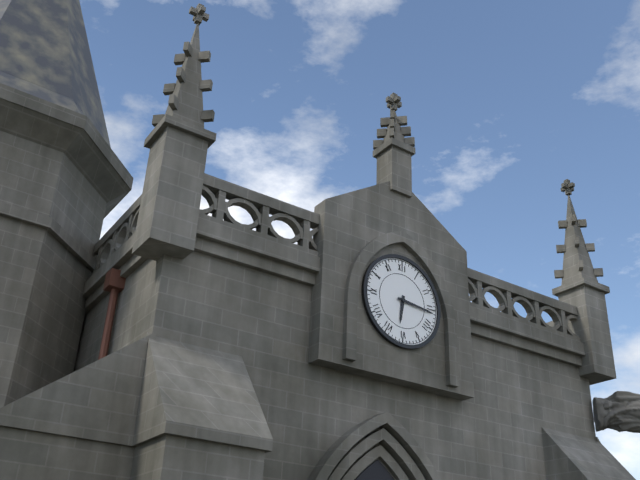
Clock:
6.16
